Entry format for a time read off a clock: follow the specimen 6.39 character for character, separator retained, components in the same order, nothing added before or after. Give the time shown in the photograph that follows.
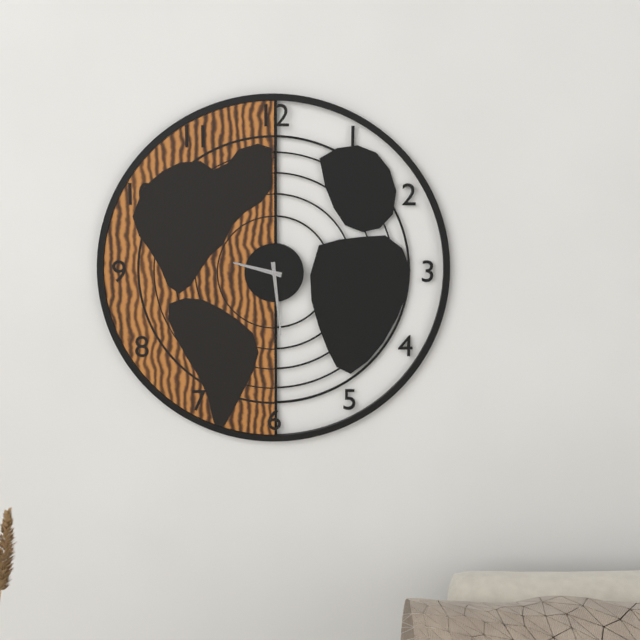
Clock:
9.29
